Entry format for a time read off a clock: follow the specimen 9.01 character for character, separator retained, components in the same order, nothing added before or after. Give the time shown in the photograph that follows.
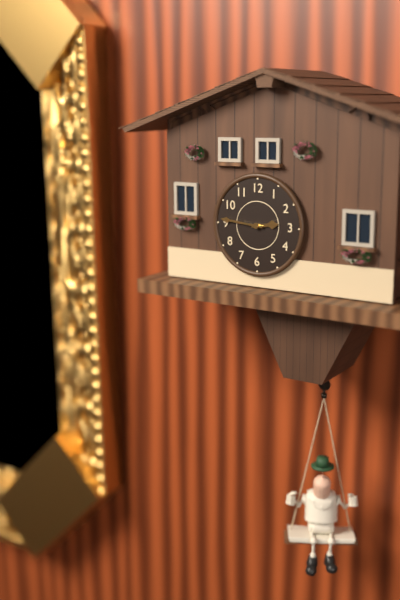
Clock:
2.46
